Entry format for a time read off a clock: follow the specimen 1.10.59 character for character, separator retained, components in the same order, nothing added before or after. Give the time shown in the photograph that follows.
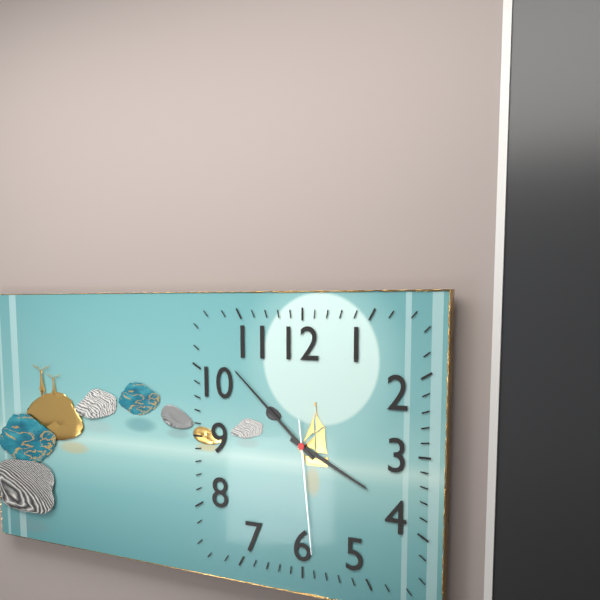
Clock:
3.52.29
